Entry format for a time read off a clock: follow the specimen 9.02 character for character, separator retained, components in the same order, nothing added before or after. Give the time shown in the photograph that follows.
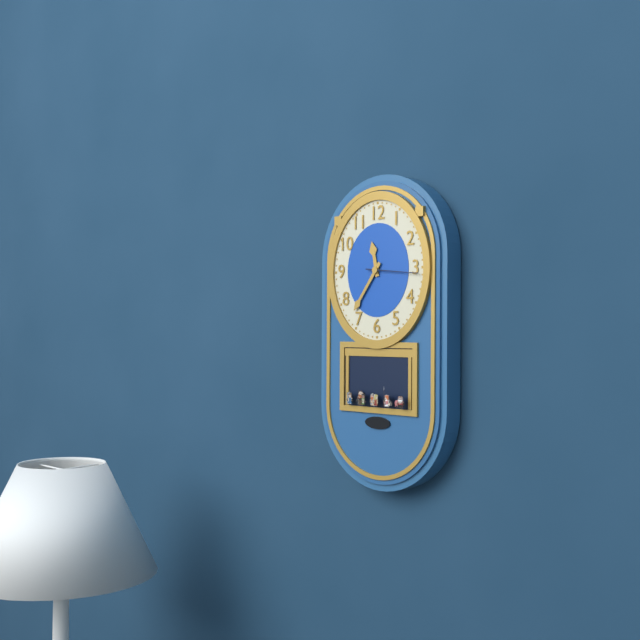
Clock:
11.36
